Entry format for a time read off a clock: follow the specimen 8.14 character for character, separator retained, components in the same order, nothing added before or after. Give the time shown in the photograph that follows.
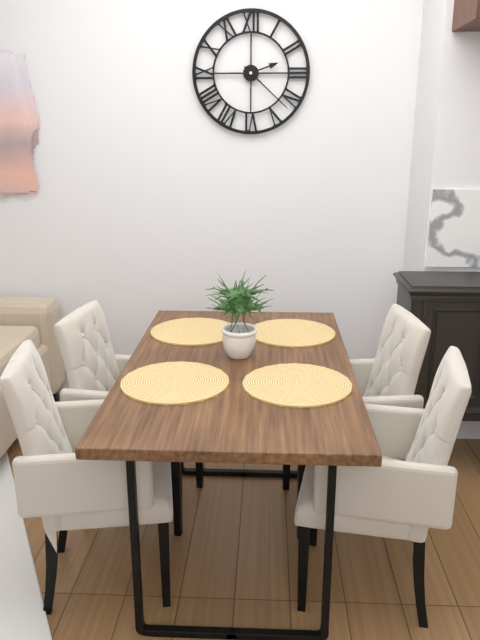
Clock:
2.22
